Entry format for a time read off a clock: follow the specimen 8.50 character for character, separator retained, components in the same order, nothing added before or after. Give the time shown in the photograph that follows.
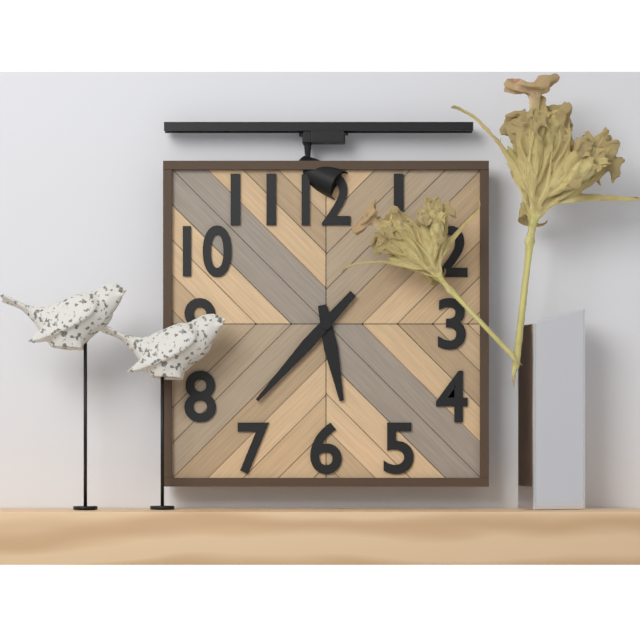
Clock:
5.37
